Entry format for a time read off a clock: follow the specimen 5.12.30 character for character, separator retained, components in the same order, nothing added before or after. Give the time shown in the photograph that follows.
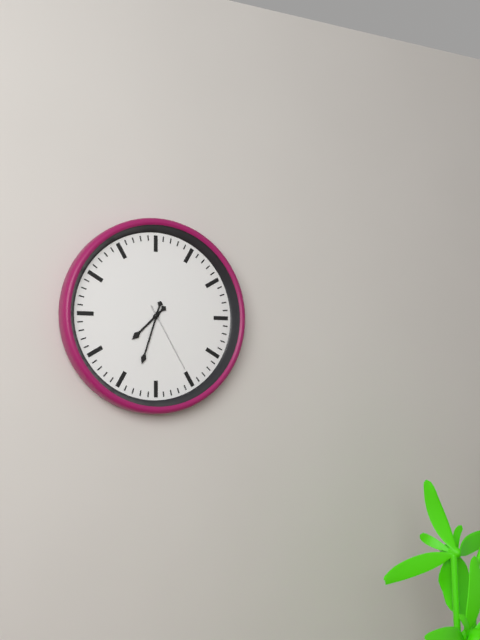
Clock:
7.33.25
